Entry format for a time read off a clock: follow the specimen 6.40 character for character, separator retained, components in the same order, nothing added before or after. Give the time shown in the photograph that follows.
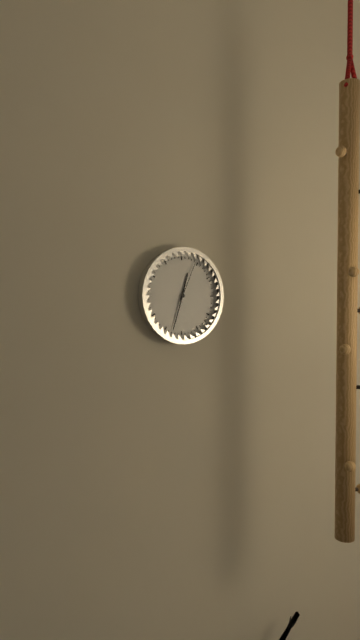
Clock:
12.33
